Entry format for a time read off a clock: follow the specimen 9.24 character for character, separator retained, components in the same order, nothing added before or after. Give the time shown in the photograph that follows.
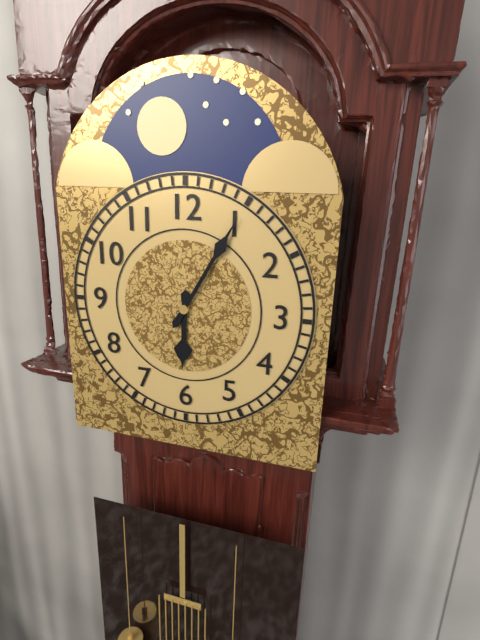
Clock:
6.05
